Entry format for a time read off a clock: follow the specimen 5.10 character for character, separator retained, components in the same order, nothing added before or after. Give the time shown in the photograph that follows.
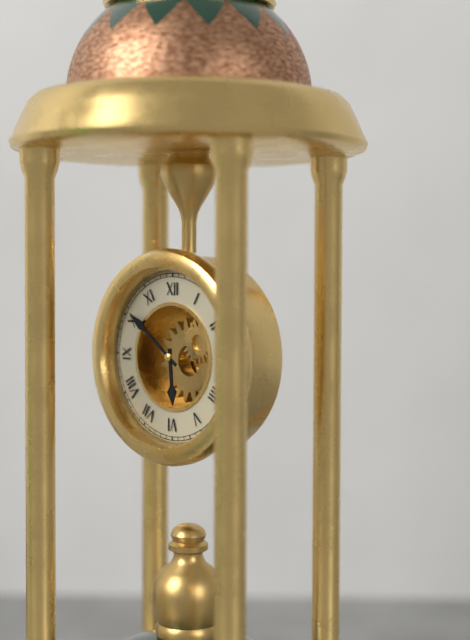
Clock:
5.51
